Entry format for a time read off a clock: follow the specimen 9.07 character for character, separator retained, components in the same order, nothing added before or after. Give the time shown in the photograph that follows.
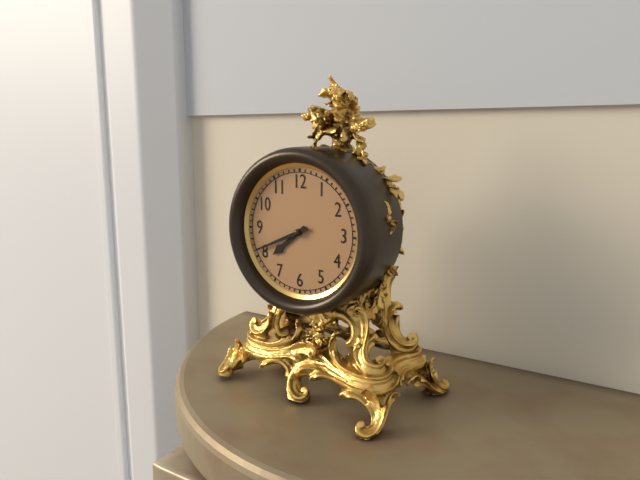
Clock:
7.41
